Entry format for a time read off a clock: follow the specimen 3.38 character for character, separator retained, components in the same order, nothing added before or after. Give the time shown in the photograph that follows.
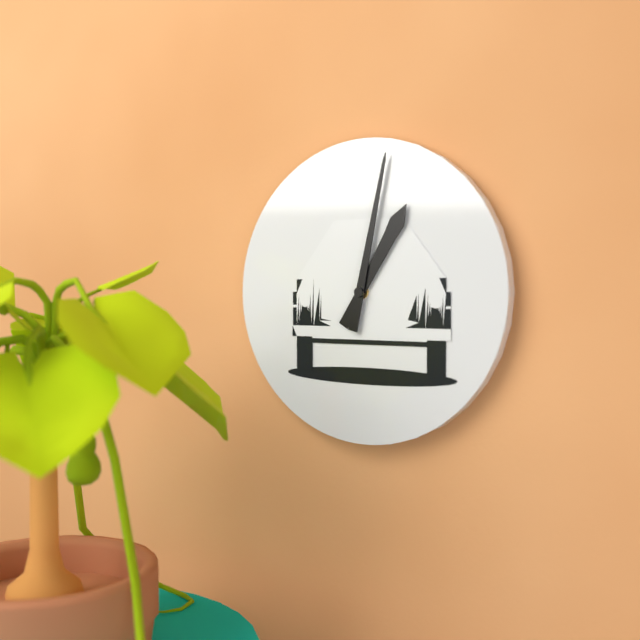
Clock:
1.02
